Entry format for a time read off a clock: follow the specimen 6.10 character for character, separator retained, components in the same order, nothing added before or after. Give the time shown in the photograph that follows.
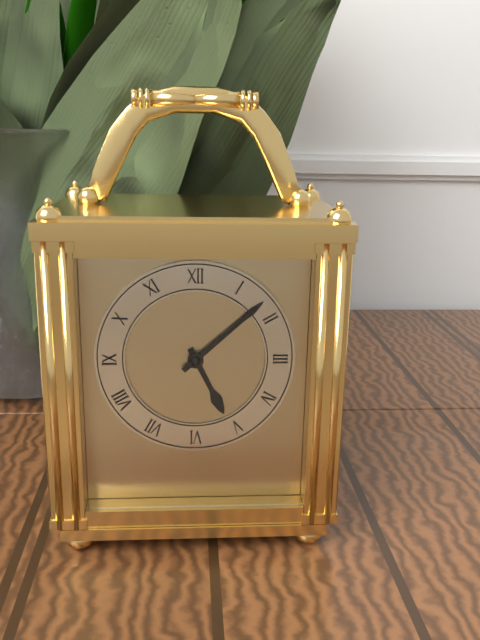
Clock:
5.08
